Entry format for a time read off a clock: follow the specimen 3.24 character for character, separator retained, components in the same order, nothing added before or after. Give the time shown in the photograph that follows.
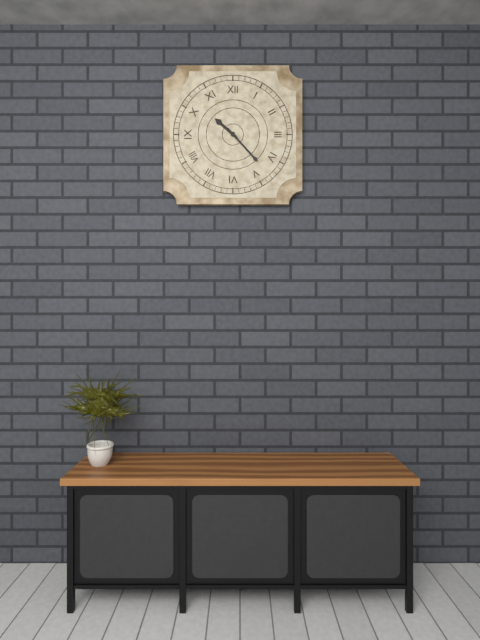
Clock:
10.23
